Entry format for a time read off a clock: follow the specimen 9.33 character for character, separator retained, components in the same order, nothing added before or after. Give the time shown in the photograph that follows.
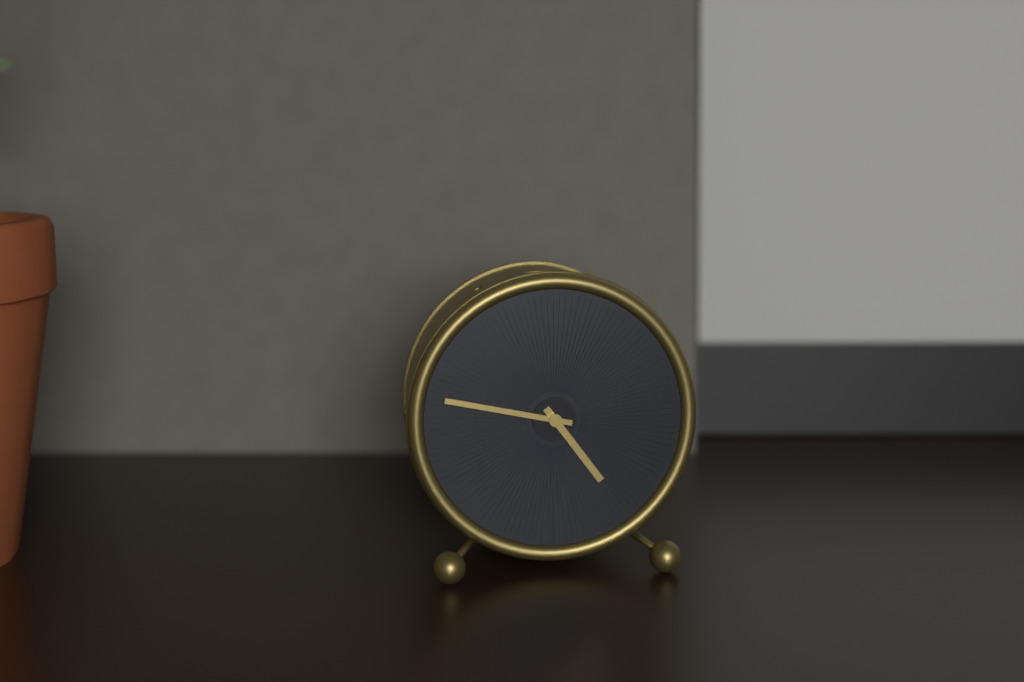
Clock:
4.47
